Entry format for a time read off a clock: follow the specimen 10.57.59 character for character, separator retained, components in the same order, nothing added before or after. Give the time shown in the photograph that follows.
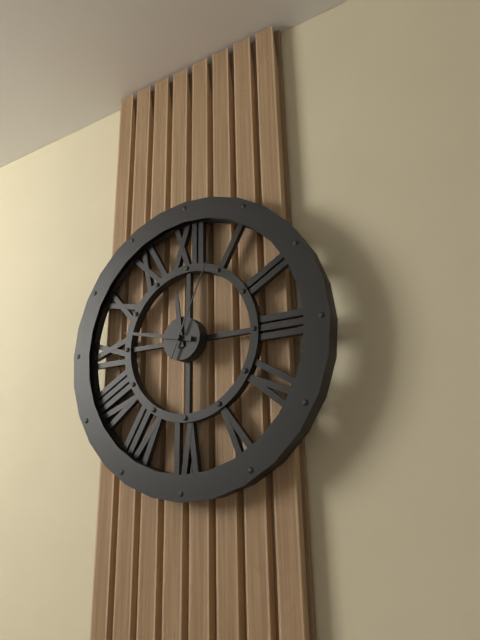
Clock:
11.47.04
